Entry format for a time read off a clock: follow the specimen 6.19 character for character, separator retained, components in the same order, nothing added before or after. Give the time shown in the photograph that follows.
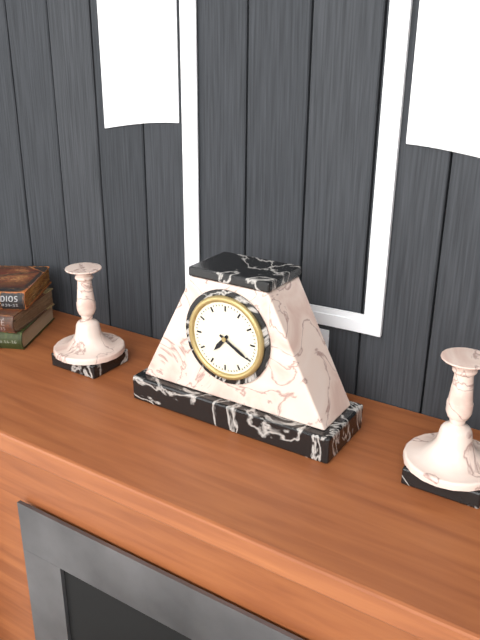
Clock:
7.20
